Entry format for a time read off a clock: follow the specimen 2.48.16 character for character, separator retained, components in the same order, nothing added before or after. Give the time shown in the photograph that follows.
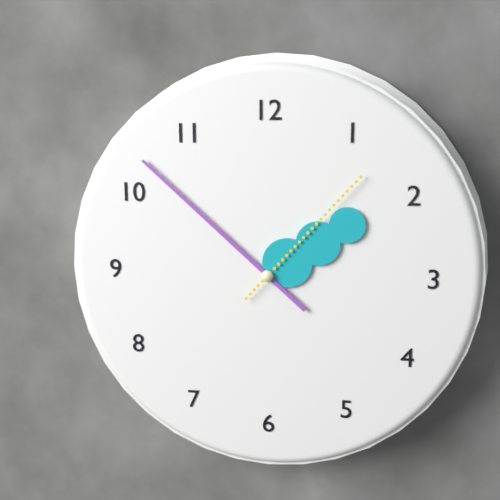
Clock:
1.52.07
